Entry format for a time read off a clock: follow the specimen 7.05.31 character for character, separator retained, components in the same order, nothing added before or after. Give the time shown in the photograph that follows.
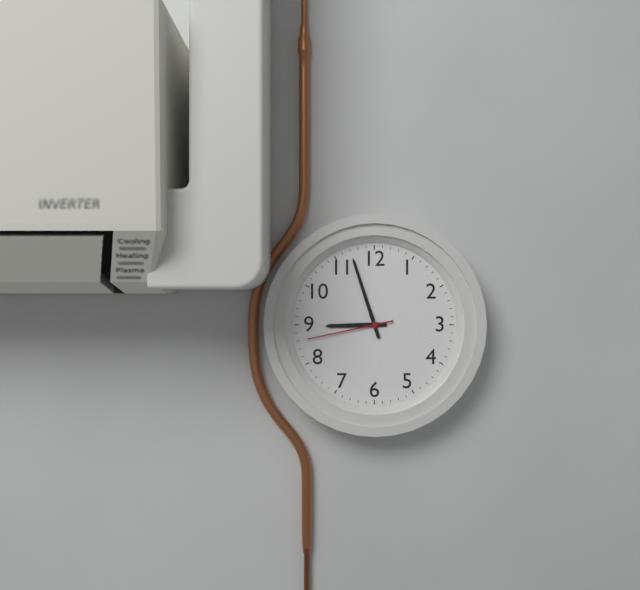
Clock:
8.57.43
